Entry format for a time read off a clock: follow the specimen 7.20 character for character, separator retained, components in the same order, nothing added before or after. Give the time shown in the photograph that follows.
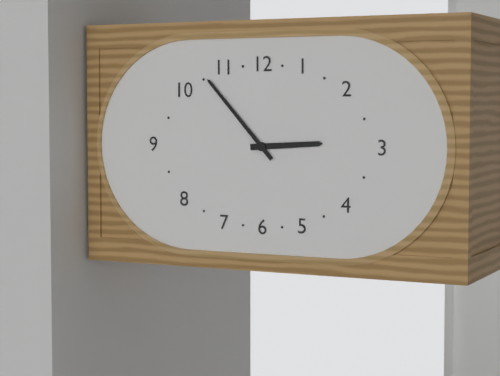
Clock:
2.53
